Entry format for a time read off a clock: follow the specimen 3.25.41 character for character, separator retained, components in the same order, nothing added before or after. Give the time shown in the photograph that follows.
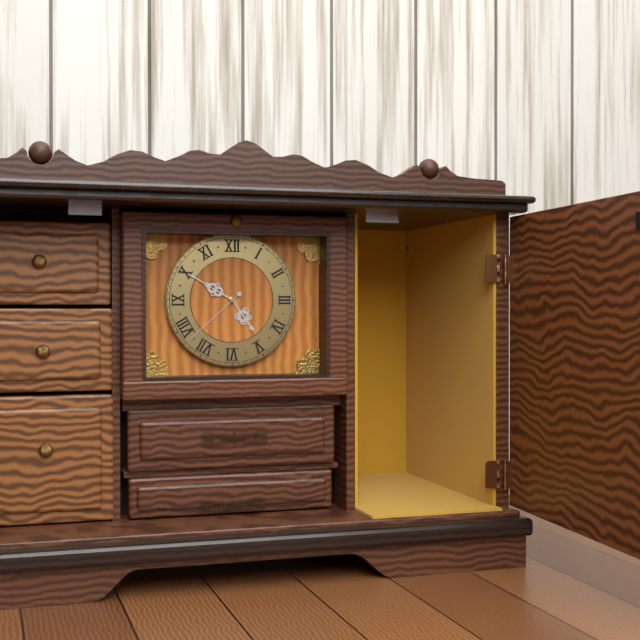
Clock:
4.50.38
